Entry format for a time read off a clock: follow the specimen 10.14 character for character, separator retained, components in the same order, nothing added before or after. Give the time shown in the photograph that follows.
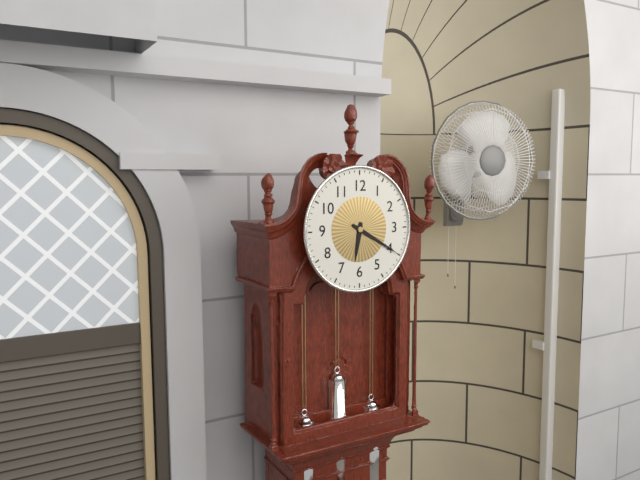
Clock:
6.20
